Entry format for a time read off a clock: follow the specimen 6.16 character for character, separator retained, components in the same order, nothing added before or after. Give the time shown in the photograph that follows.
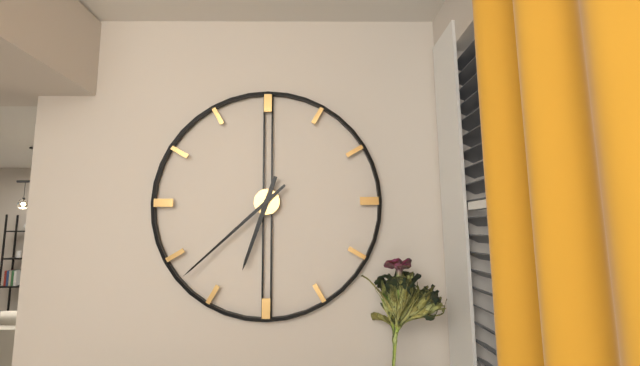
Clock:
6.38
